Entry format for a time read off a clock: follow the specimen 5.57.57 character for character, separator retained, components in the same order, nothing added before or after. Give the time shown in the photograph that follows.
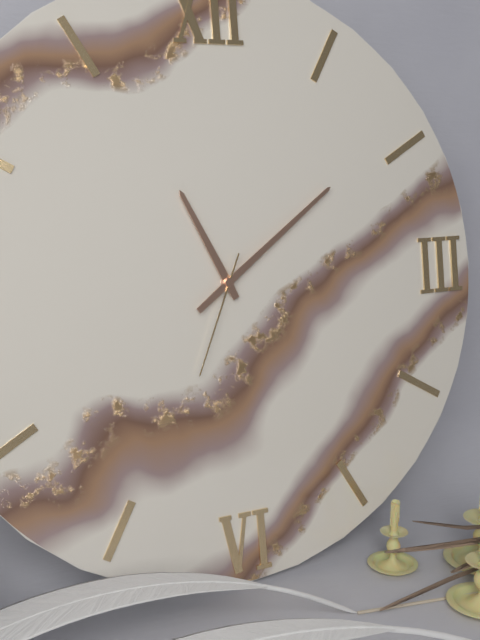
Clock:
11.09.34
